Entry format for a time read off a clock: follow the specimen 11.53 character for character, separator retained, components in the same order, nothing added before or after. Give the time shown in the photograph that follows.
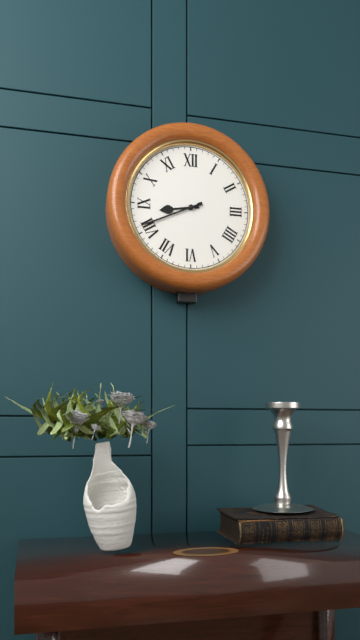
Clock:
8.41
